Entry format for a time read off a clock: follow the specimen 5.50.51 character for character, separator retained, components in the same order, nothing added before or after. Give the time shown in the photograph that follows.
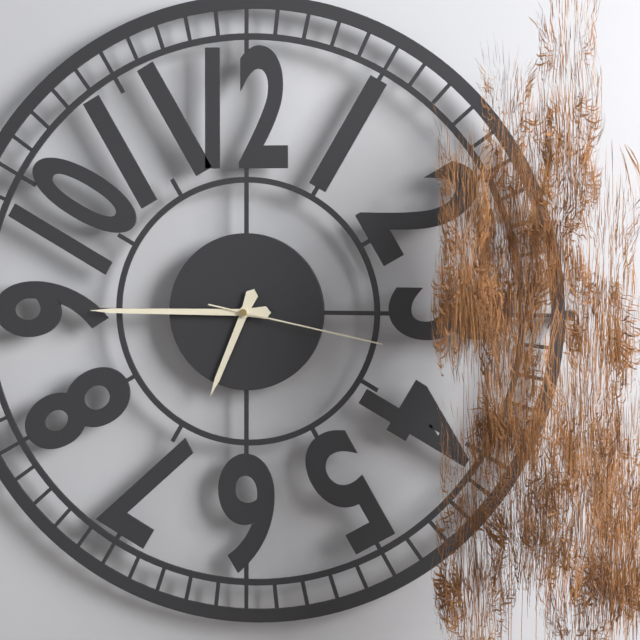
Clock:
6.45.17
